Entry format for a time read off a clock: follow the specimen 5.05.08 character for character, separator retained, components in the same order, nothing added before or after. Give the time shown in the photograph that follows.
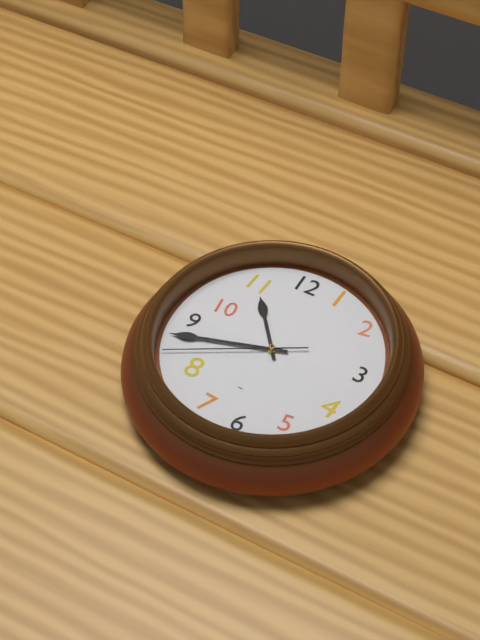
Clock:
10.42.40
